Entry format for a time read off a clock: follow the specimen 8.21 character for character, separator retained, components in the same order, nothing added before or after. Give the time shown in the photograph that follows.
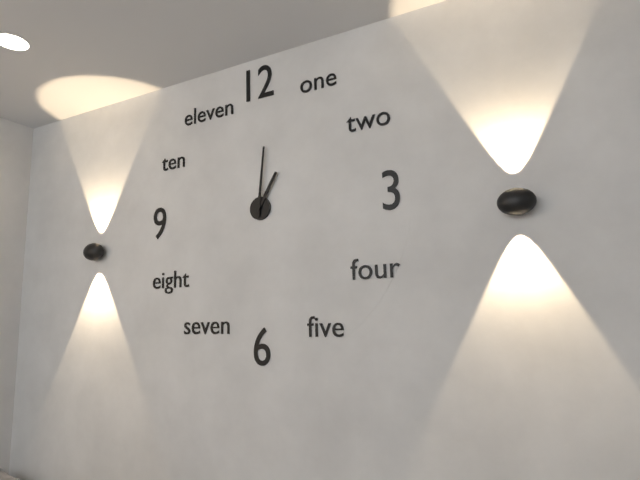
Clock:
1.01
